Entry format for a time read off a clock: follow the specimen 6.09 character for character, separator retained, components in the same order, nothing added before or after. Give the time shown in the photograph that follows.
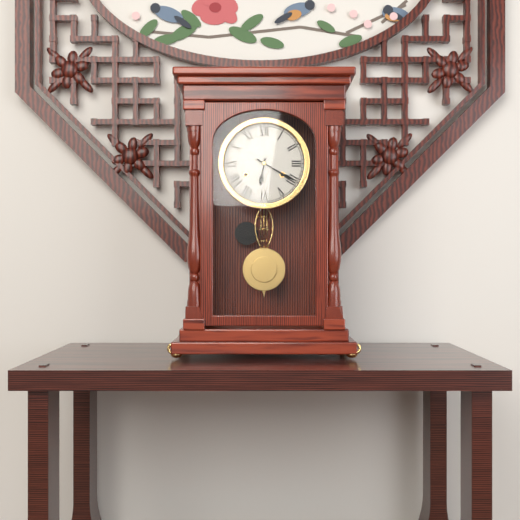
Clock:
6.20
